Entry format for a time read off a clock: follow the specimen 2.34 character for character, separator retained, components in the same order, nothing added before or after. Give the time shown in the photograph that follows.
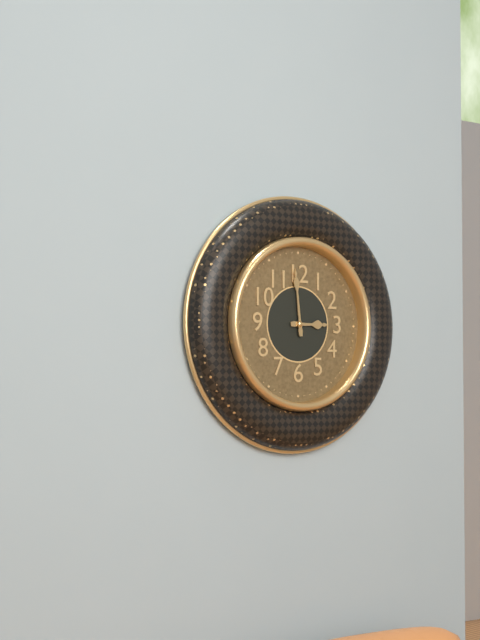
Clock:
2.59
